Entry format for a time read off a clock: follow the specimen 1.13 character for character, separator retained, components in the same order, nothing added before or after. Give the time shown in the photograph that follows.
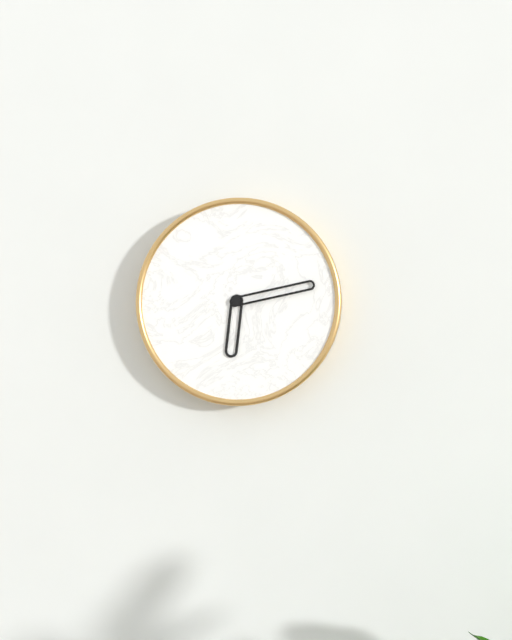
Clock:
6.13
